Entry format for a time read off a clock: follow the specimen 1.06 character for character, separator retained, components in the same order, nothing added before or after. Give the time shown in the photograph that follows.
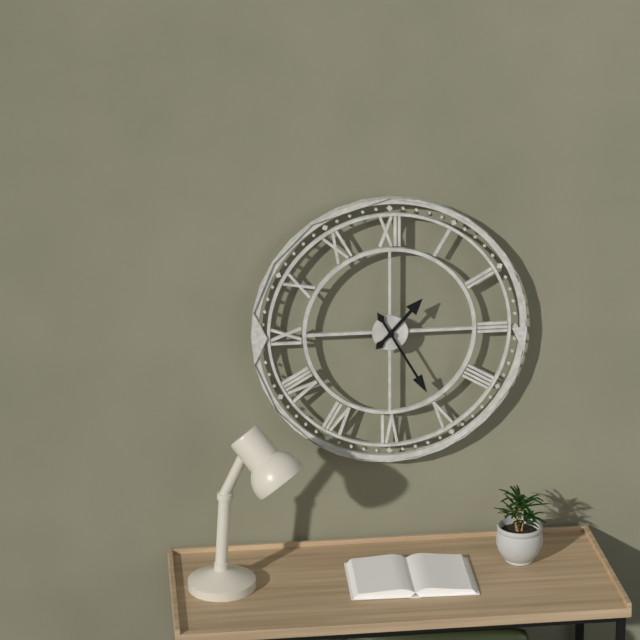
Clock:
1.25
